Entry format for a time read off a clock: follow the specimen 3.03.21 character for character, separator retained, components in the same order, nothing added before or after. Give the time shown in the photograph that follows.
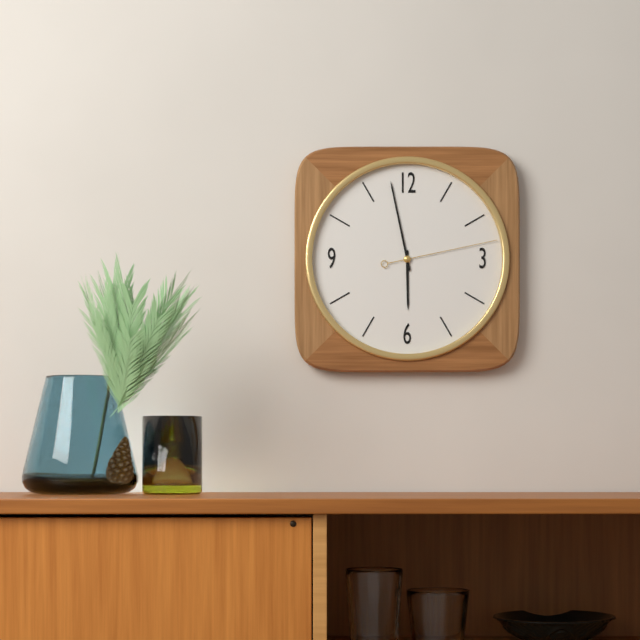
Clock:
5.58.13
